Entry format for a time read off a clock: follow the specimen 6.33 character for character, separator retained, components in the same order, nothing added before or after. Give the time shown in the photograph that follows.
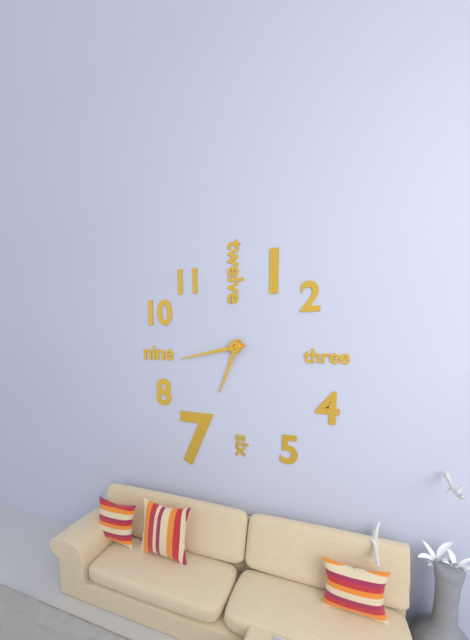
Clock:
6.43
